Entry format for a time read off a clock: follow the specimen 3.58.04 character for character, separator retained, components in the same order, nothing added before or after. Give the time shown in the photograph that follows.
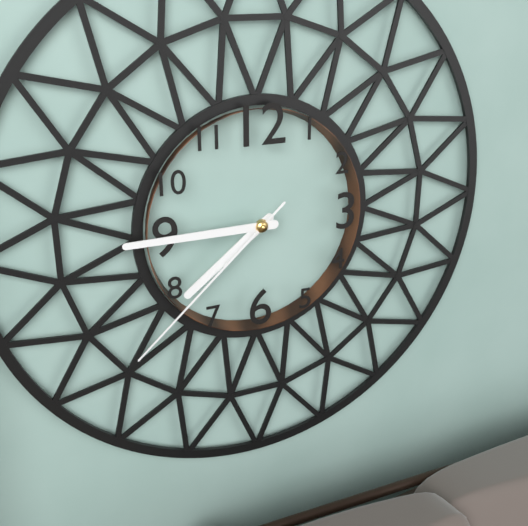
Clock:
7.45.38
